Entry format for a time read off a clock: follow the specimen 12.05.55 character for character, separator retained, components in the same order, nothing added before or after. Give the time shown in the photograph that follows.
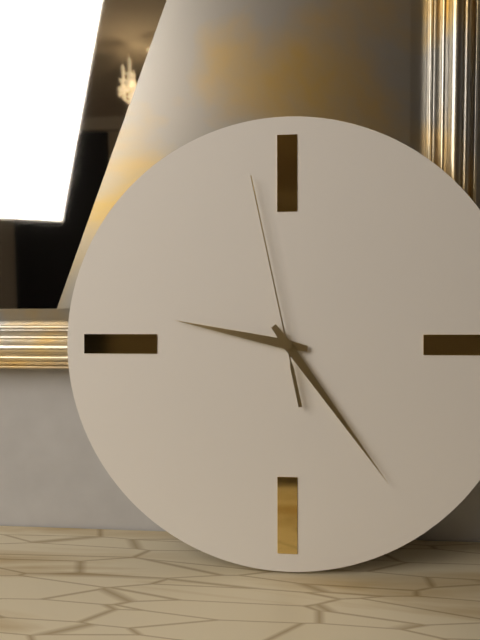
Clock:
9.24.58
